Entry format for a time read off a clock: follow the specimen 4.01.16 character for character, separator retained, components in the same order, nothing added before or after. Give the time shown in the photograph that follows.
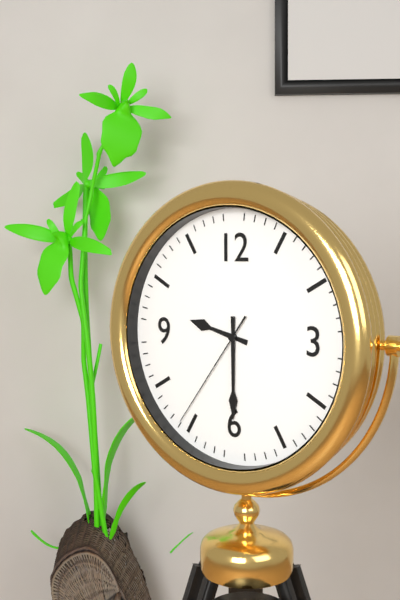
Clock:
9.30.36
